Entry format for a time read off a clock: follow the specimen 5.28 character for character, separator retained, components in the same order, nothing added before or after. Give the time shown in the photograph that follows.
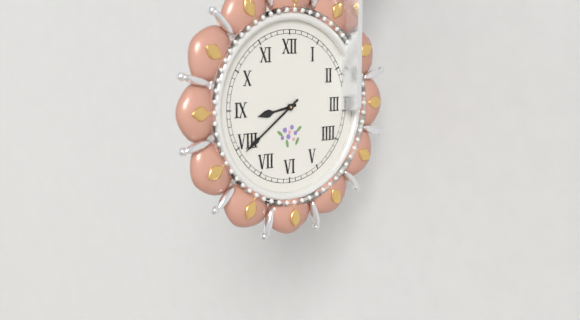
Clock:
8.39
